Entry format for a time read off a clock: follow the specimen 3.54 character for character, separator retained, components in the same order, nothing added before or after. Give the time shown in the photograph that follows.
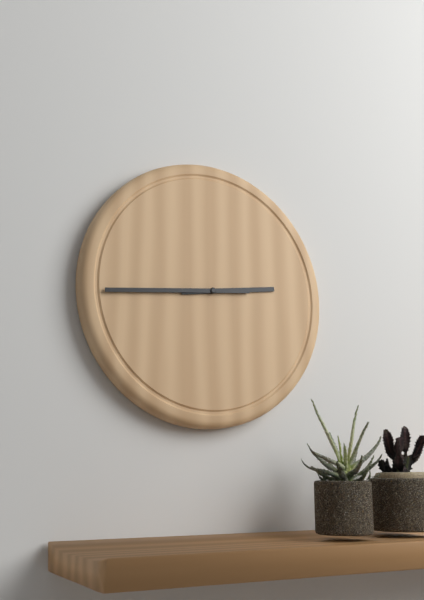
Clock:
2.44
